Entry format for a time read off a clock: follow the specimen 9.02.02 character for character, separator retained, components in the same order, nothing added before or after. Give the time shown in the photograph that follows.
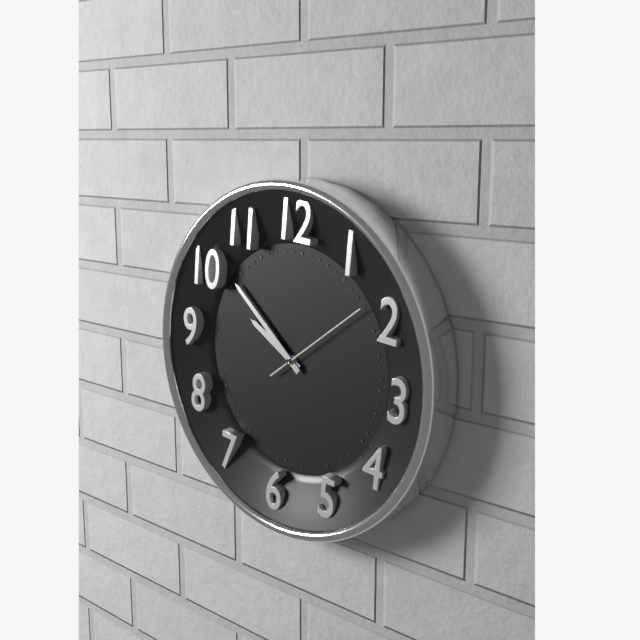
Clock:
9.51.08
